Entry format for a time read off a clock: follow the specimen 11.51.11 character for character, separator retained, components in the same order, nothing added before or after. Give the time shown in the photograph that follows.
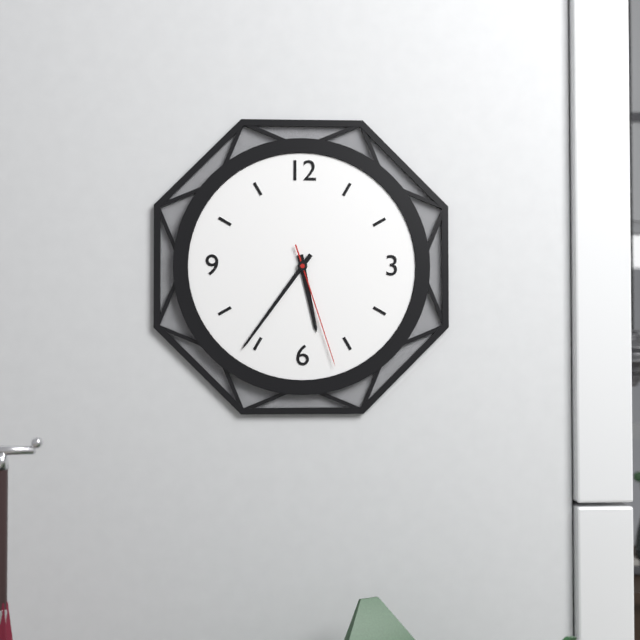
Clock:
5.36.27
